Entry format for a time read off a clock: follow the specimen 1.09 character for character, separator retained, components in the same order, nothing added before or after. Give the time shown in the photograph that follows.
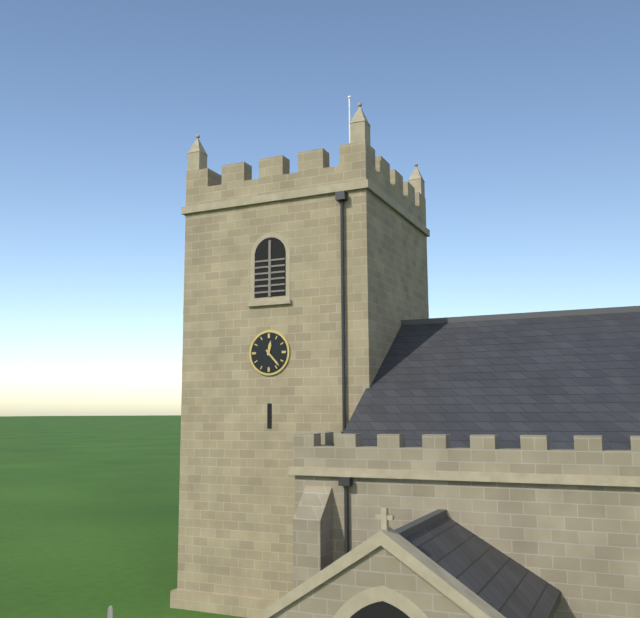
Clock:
12.23
